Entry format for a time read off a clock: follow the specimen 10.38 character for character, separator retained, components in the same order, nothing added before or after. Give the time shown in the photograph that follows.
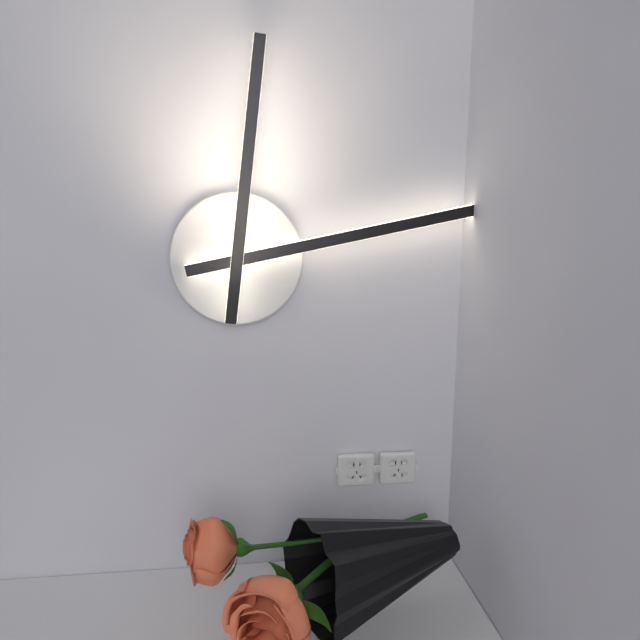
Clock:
12.13
